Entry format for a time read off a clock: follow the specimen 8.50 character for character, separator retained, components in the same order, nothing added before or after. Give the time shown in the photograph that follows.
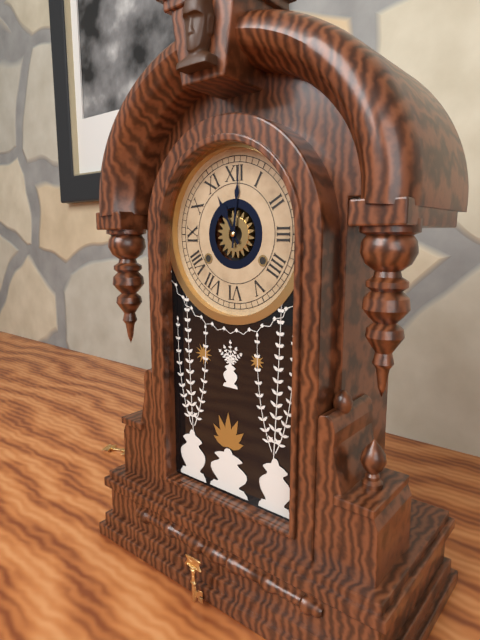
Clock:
11.01
